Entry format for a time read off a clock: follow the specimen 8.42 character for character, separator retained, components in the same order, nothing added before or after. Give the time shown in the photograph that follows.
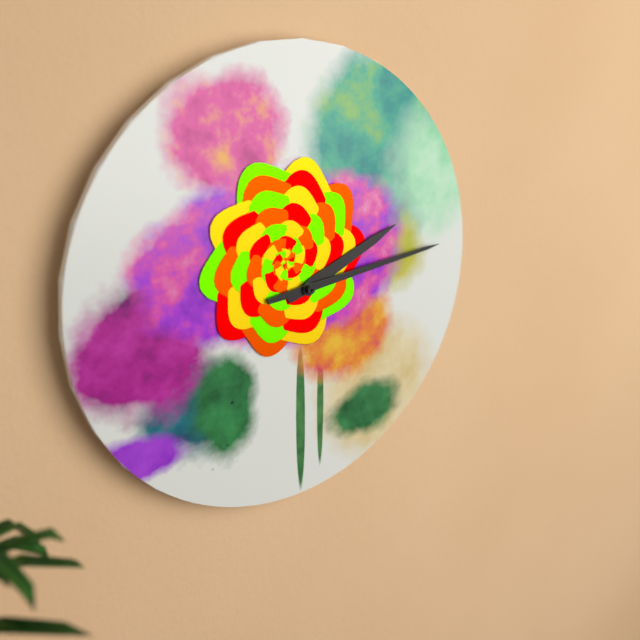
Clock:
2.14
